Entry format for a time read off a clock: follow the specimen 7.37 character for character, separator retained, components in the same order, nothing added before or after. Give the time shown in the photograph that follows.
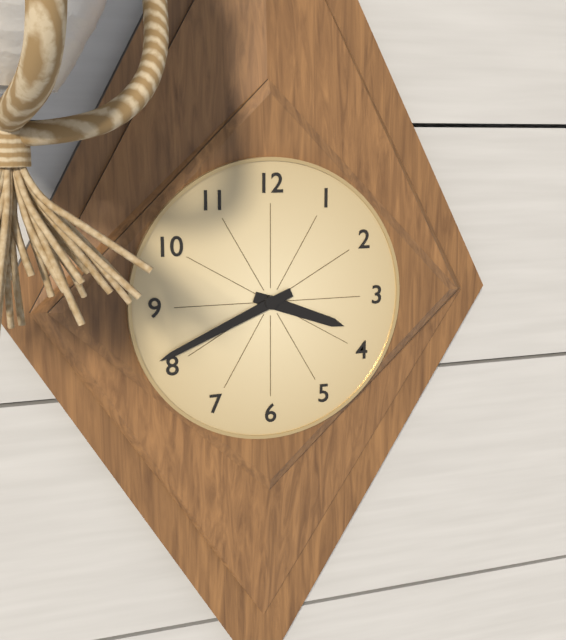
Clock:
3.41
